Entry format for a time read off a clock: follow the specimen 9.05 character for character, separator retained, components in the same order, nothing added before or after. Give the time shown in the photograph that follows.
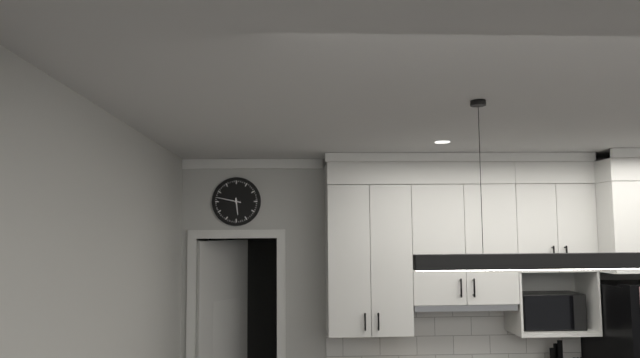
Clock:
5.47
